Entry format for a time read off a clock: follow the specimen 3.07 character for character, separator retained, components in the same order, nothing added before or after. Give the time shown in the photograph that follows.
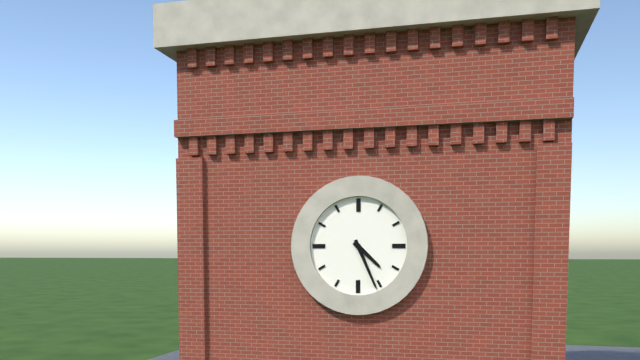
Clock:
4.26
